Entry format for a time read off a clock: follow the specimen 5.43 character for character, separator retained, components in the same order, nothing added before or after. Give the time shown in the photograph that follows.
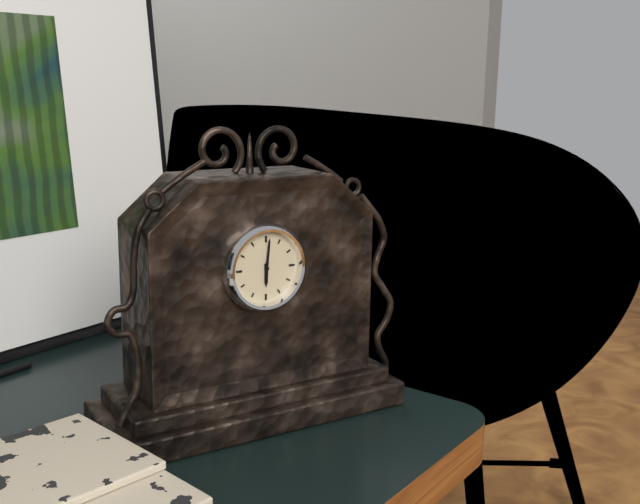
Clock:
6.01
